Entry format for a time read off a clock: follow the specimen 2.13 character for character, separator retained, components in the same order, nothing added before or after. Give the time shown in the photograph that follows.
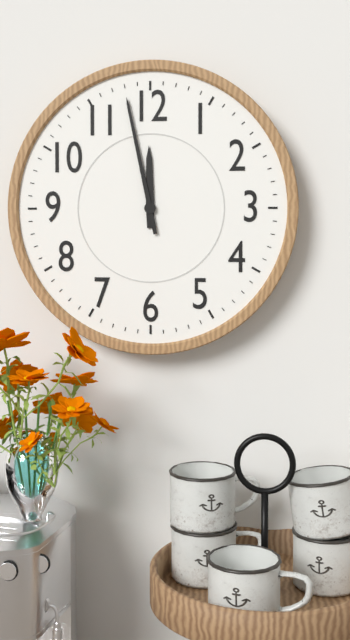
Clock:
11.58
